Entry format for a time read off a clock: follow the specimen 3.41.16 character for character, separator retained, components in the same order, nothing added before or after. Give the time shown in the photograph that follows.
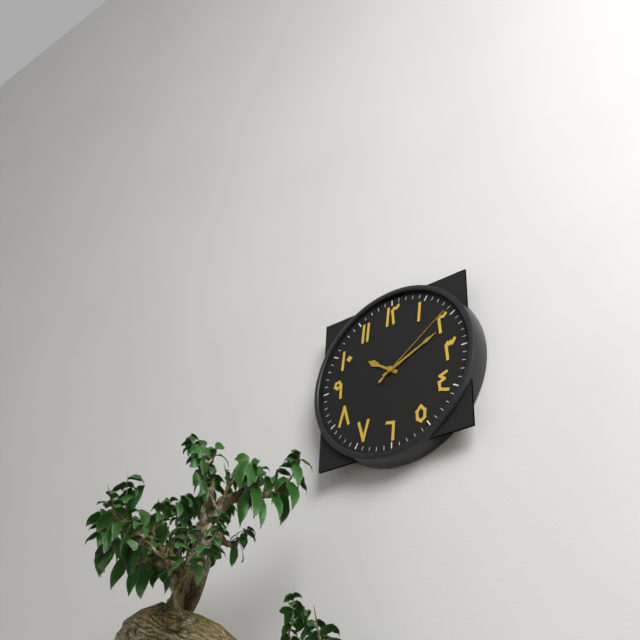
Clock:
10.11.09
